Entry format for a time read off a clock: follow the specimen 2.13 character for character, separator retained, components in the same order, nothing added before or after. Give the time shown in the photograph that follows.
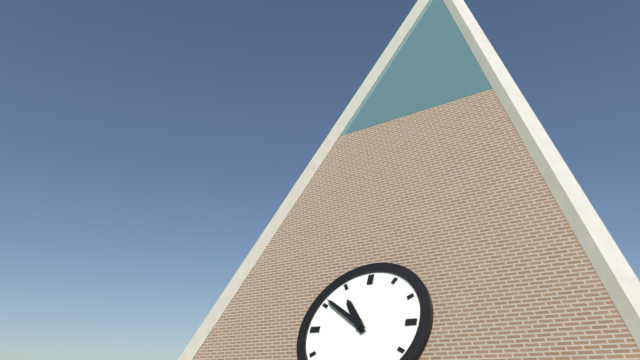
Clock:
10.51
